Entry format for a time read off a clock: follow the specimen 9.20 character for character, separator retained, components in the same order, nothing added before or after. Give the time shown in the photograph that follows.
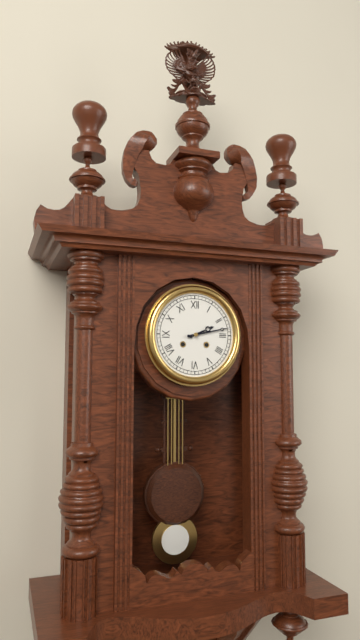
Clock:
2.13
